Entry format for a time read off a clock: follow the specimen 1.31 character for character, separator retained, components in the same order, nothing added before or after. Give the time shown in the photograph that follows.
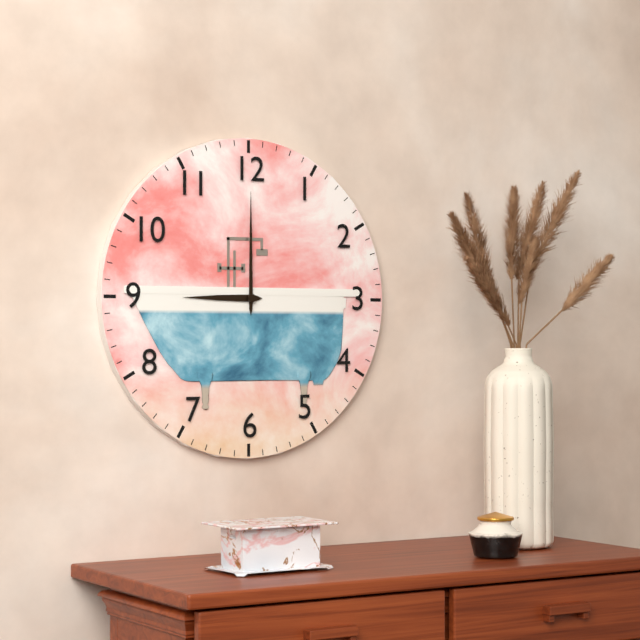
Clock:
9.00
